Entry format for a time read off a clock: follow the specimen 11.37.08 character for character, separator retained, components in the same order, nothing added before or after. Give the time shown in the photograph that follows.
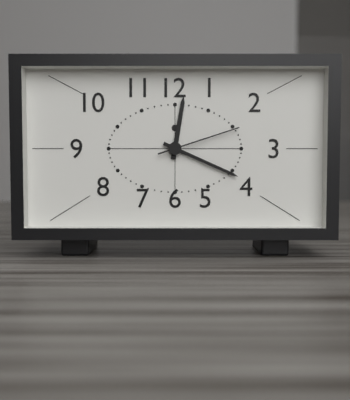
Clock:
12.19.12
